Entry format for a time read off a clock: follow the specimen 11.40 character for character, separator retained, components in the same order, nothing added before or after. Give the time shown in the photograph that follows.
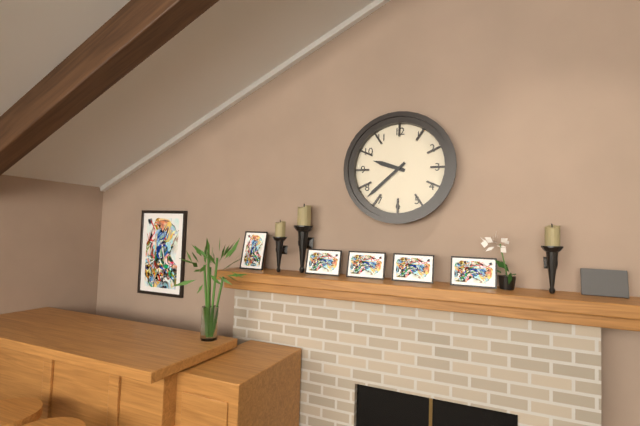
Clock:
9.38
